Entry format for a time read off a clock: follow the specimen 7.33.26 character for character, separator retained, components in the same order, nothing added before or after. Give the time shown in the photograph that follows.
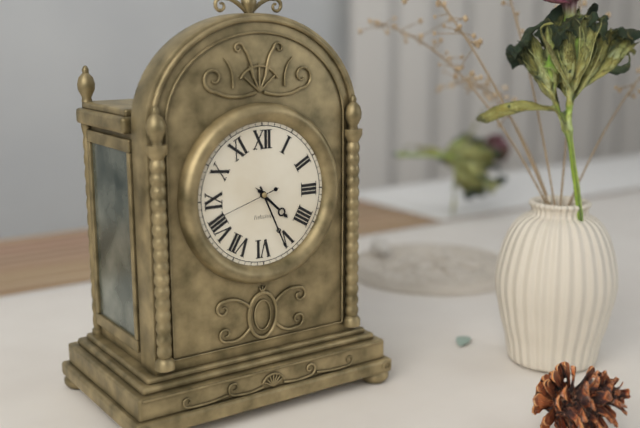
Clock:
4.26.42
